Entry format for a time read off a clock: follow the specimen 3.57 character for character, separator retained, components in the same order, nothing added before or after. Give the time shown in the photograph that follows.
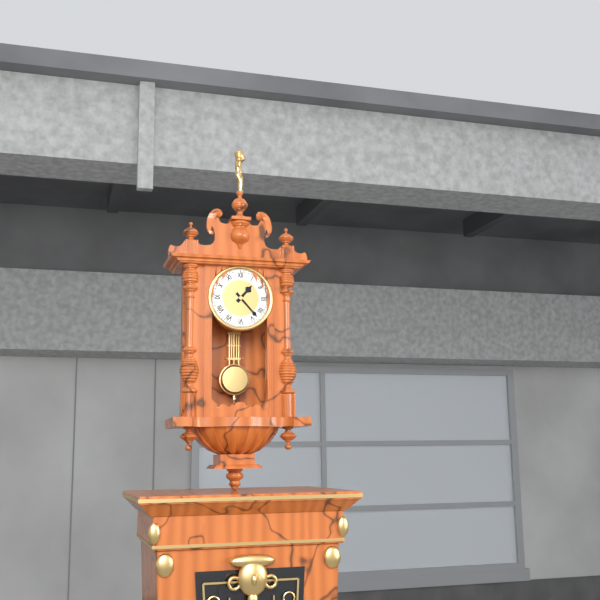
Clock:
1.23
